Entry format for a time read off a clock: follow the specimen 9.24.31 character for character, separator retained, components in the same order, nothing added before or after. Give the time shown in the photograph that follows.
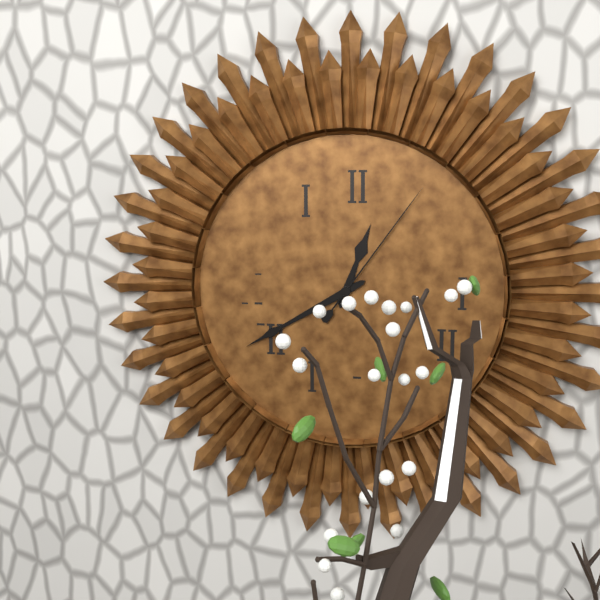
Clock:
12.40.06
